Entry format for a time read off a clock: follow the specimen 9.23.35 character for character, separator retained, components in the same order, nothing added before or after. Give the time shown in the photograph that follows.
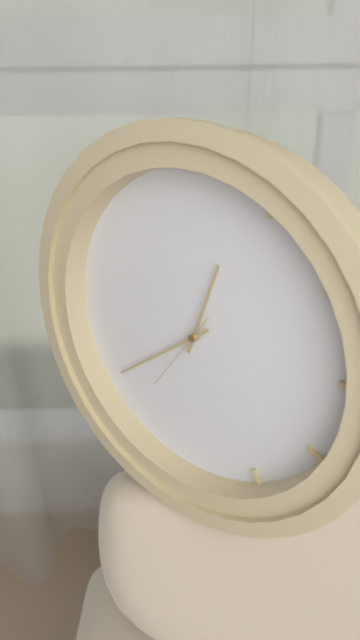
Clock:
12.39.36
